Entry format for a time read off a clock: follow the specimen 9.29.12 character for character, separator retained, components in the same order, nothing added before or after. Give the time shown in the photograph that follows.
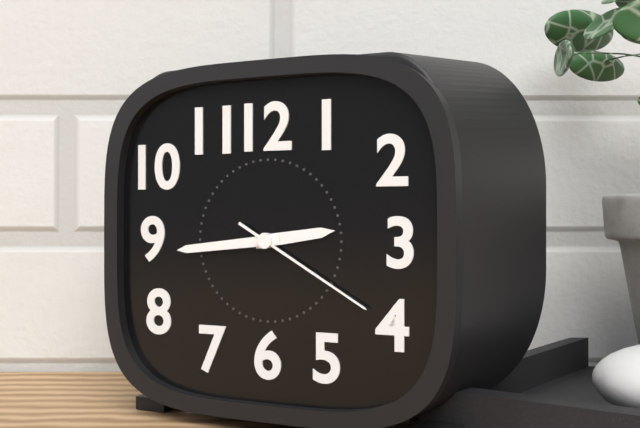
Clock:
2.44.20
